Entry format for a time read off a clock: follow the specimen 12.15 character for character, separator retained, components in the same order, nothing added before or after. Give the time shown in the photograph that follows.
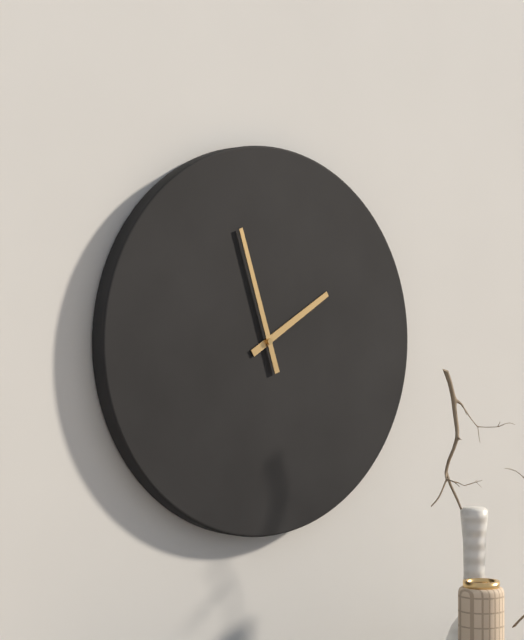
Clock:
1.57
